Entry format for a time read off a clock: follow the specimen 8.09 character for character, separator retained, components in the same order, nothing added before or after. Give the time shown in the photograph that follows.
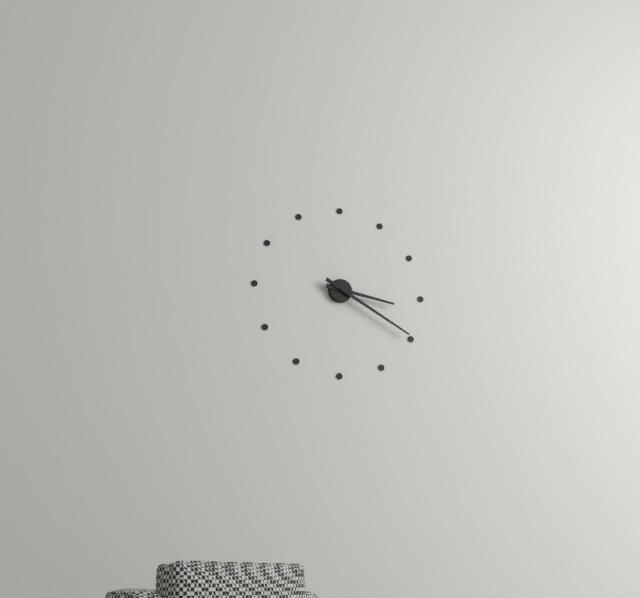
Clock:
3.20
